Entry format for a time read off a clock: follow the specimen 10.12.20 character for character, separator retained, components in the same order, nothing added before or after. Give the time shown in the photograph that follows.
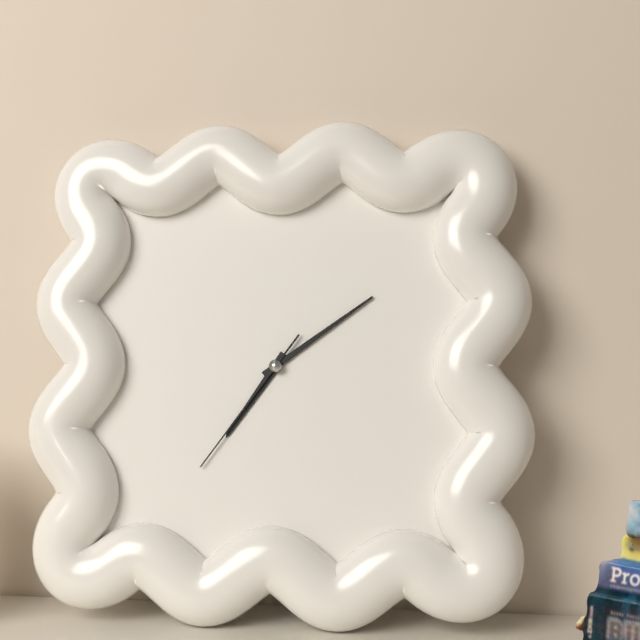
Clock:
7.09.36
